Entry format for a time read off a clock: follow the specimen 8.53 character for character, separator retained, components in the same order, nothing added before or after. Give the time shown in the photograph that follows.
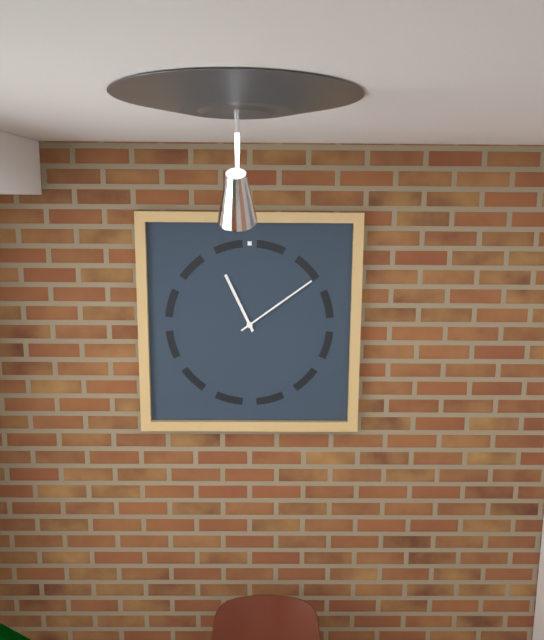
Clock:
11.09
